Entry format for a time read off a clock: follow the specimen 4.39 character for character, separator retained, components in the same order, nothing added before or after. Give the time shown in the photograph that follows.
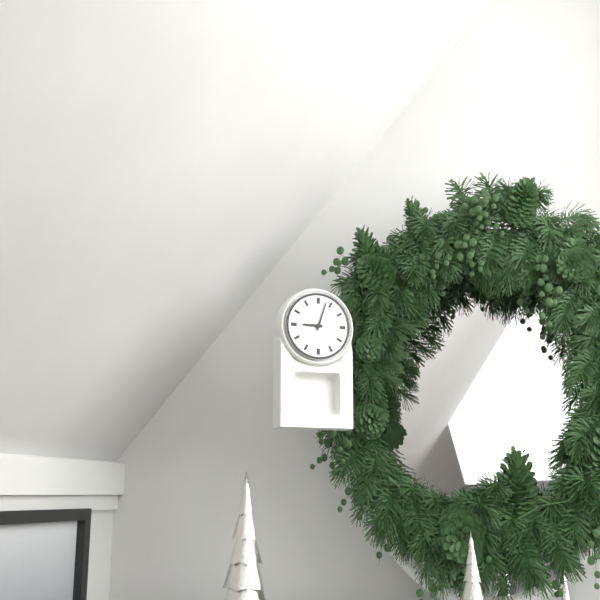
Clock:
9.03
